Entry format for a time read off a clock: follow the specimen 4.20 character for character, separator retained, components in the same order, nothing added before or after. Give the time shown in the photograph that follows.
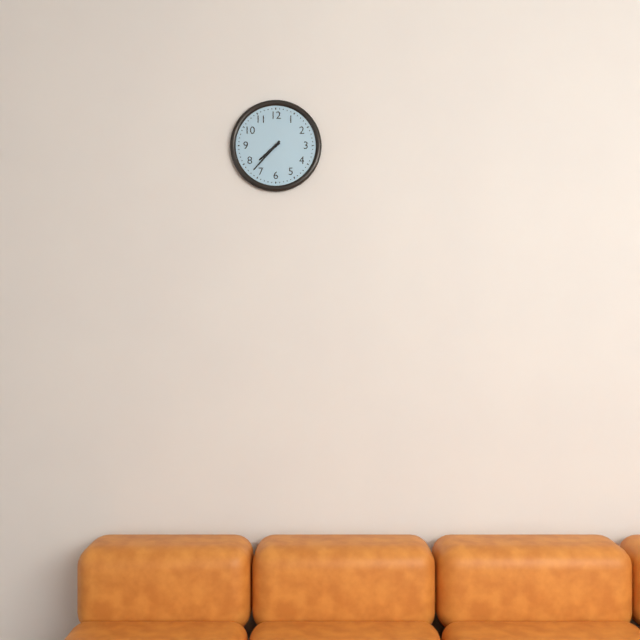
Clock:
7.37
